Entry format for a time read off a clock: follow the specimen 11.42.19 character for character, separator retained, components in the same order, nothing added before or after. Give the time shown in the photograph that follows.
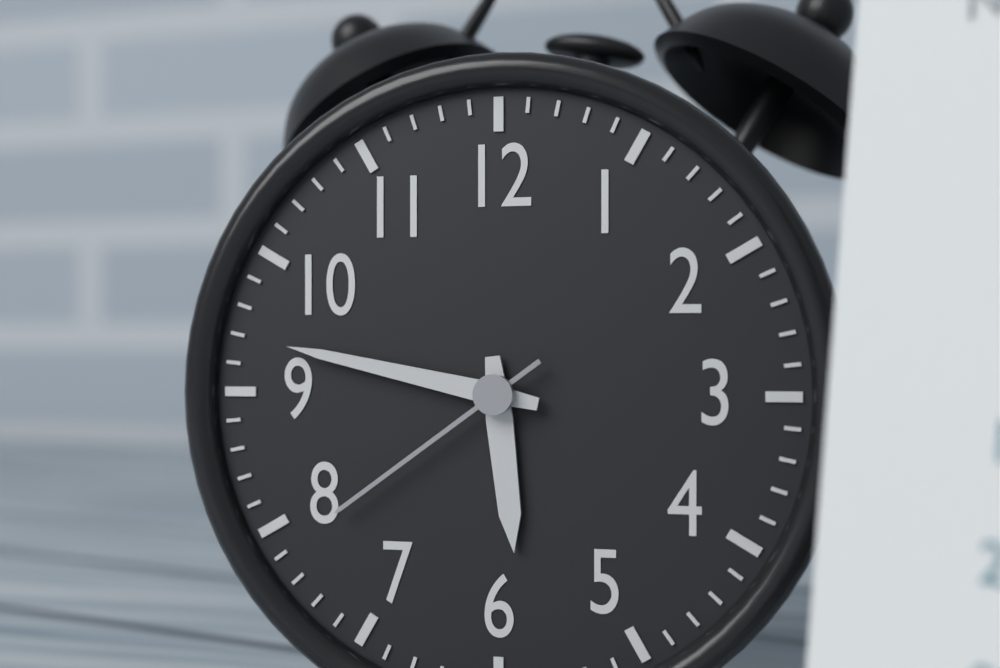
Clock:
5.47.39
